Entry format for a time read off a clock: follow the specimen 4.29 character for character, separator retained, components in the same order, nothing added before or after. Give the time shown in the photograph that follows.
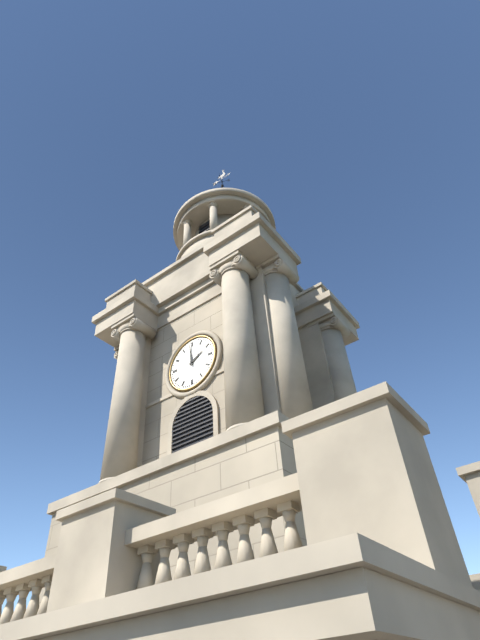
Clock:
1.59
